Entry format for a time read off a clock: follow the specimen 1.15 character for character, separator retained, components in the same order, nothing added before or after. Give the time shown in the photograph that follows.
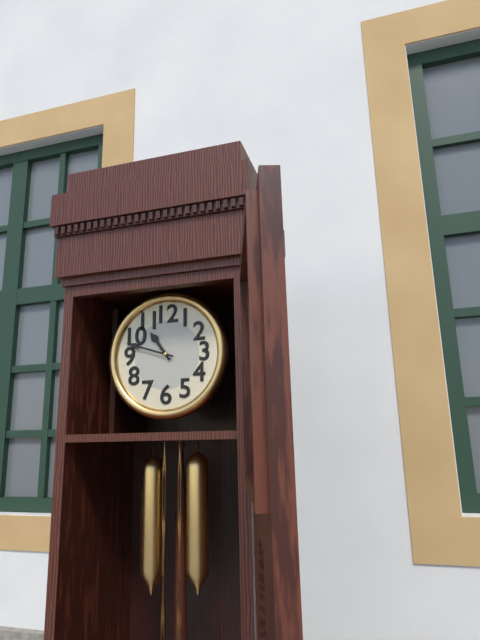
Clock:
10.48
